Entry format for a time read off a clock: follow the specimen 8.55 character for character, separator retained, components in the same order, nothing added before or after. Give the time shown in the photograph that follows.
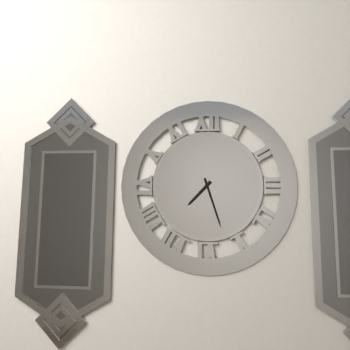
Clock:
7.27
